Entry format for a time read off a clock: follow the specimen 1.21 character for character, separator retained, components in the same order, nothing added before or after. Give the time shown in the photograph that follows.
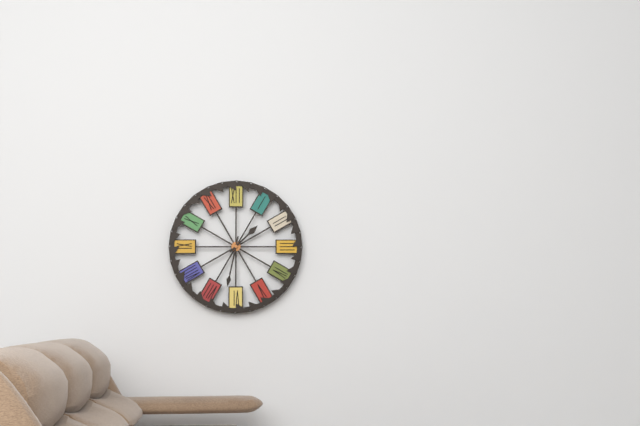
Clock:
1.32
